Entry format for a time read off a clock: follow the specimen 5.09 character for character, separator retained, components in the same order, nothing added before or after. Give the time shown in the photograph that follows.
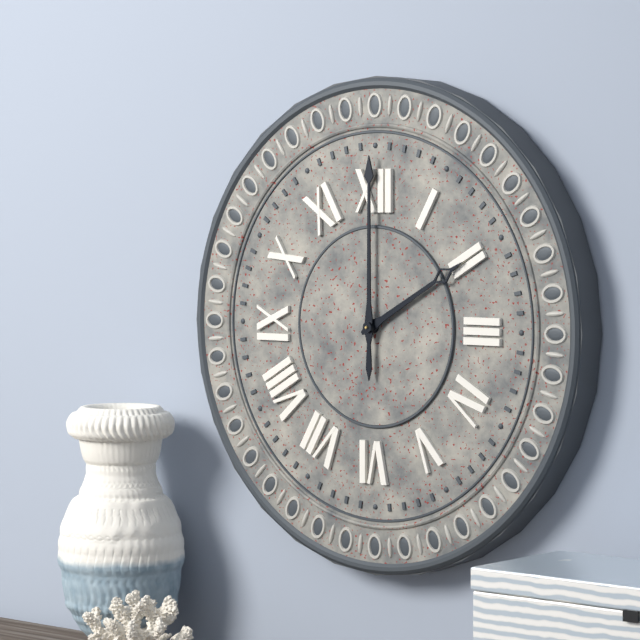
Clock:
2.00
